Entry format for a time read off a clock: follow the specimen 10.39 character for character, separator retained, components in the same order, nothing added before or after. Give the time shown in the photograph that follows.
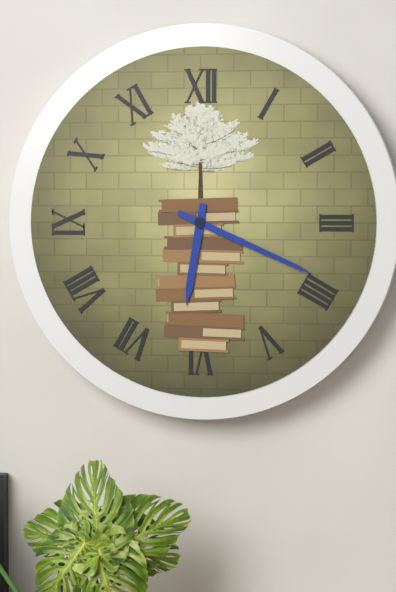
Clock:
6.19
